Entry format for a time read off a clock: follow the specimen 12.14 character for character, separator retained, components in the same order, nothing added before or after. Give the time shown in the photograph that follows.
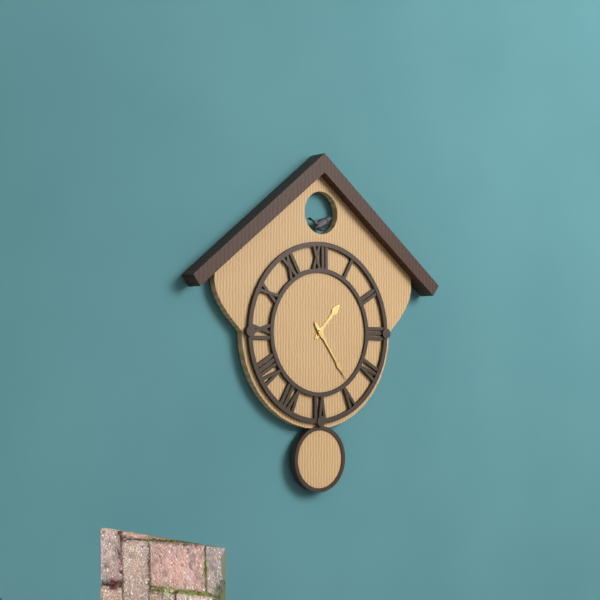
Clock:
1.24
